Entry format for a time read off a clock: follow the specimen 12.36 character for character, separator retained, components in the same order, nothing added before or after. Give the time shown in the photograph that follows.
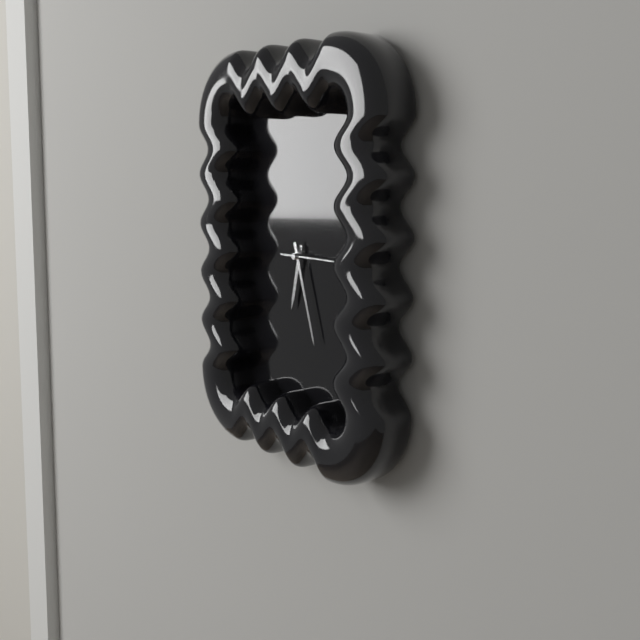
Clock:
6.27
